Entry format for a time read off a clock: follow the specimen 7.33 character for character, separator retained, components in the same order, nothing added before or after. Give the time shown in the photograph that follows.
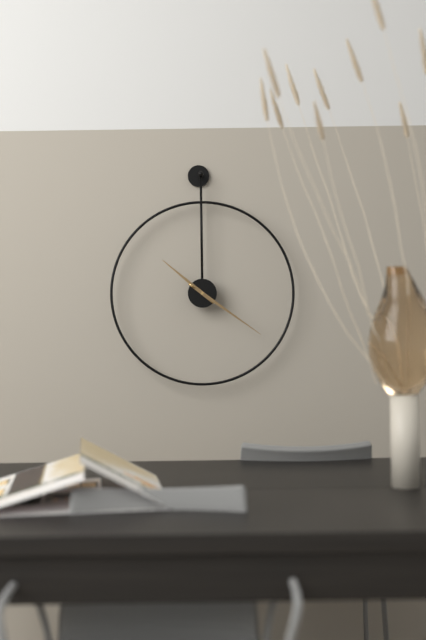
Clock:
10.21
